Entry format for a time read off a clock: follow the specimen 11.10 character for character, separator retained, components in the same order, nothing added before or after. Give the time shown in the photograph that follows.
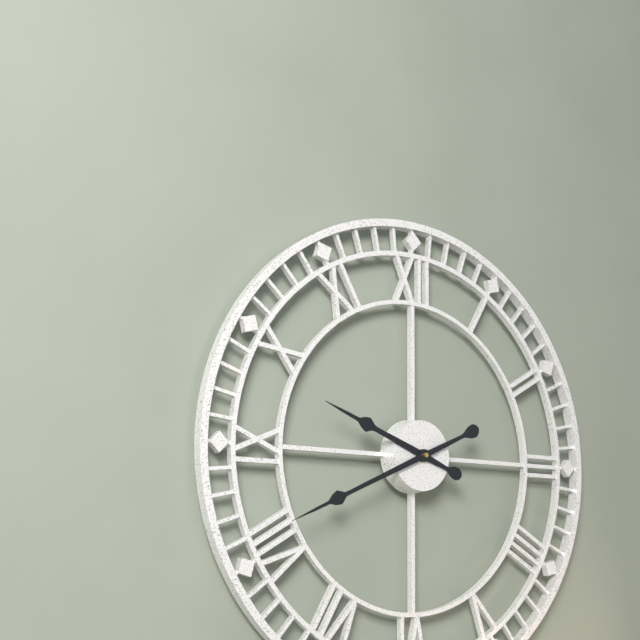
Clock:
9.41
